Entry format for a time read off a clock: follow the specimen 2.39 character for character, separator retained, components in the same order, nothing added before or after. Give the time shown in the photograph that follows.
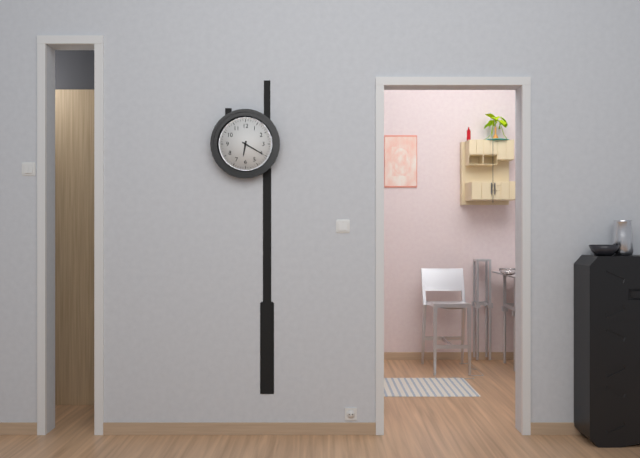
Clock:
6.20
